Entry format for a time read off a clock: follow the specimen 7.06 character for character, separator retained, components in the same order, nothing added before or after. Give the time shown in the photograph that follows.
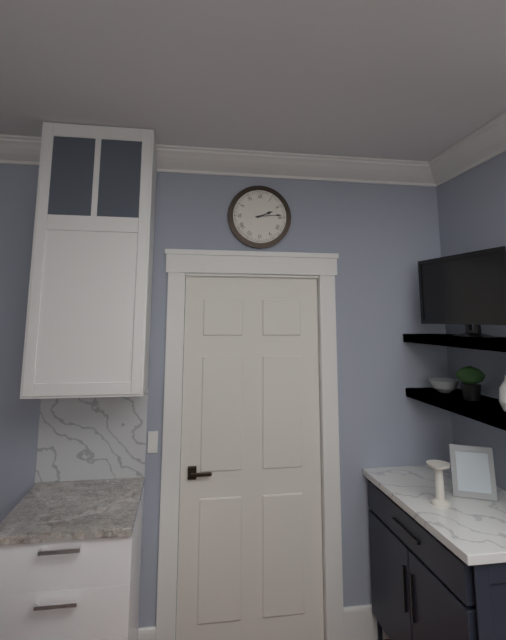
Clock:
2.14
